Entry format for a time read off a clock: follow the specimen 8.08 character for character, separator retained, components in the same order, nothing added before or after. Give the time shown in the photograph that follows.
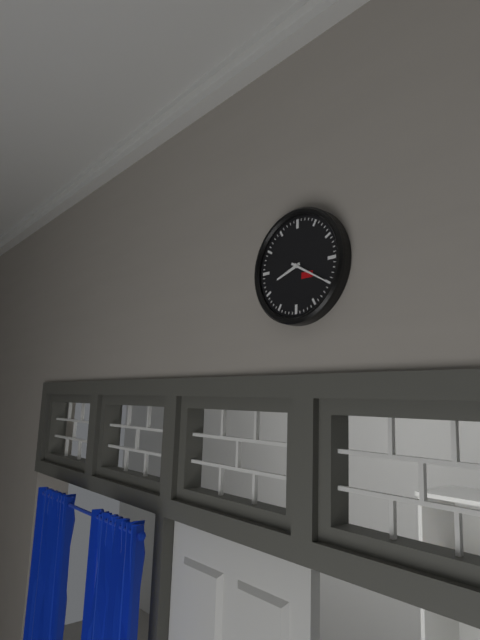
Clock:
8.20
